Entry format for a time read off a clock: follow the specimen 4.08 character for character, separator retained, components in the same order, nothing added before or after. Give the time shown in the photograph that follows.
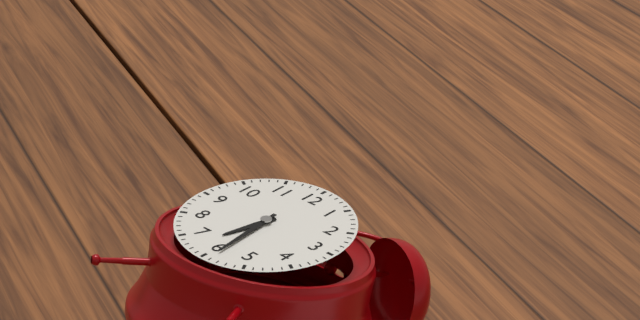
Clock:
6.29
